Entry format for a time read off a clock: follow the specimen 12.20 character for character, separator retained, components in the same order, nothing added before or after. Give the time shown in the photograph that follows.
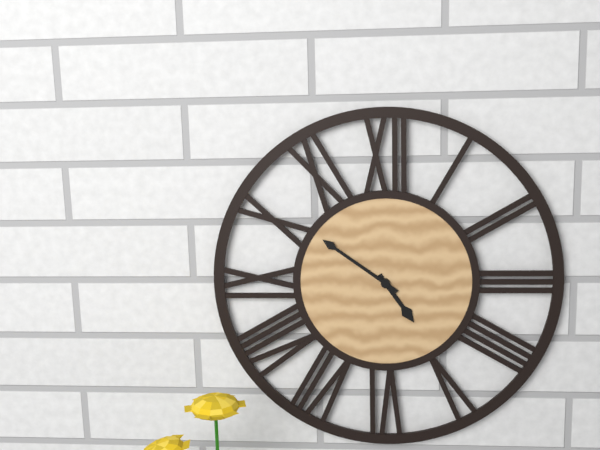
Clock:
4.51
